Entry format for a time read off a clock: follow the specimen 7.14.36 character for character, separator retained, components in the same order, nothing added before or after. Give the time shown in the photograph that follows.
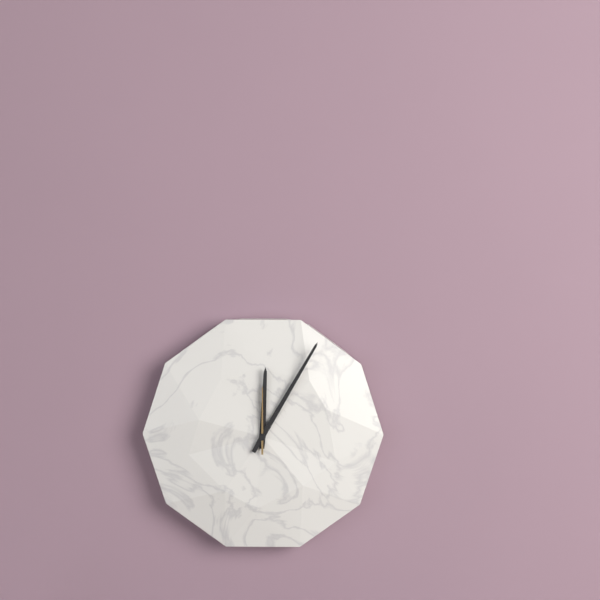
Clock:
12.05.00
